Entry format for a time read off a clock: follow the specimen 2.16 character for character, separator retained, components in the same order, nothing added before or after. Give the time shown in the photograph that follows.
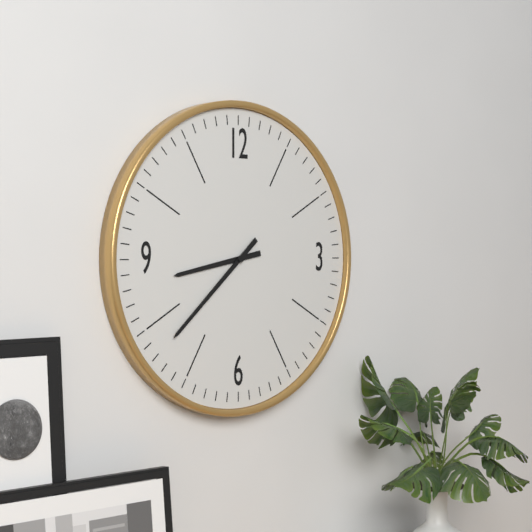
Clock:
8.38
